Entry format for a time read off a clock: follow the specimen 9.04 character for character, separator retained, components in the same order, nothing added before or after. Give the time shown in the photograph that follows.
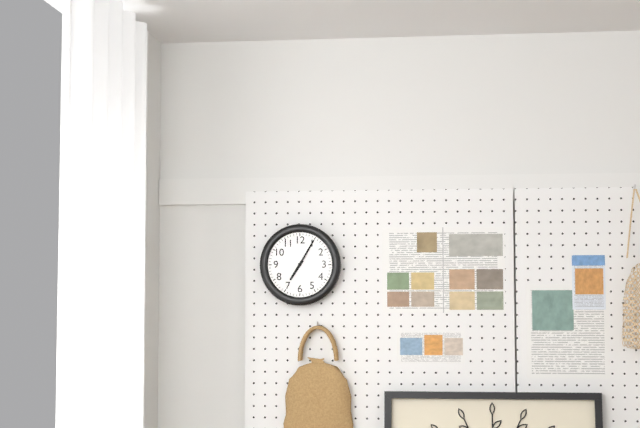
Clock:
7.05
